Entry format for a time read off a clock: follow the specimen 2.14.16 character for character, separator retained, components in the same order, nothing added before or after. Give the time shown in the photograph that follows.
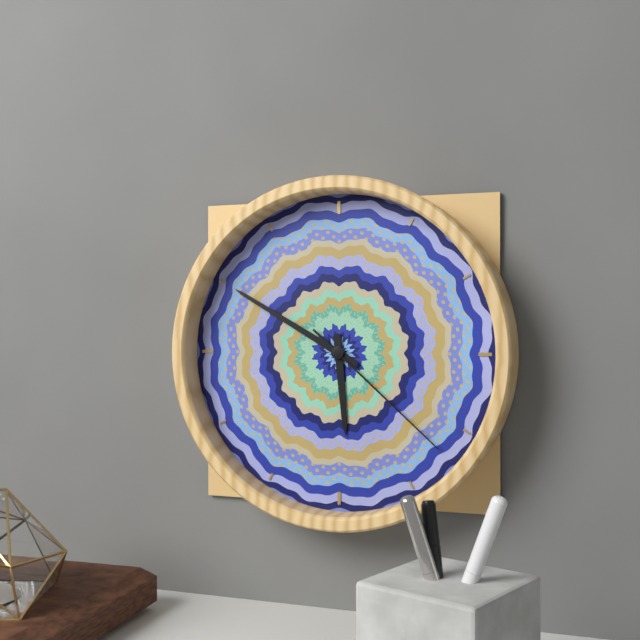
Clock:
5.50.22
